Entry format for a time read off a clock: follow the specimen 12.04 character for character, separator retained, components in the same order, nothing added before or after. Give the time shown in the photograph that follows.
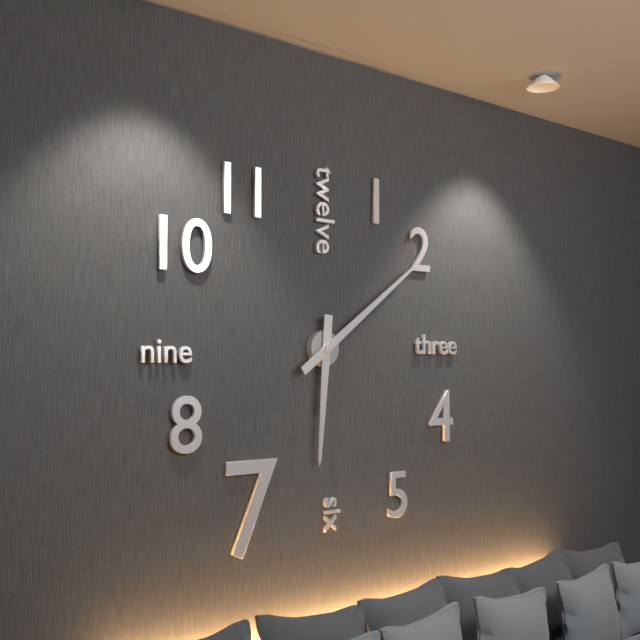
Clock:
6.09
